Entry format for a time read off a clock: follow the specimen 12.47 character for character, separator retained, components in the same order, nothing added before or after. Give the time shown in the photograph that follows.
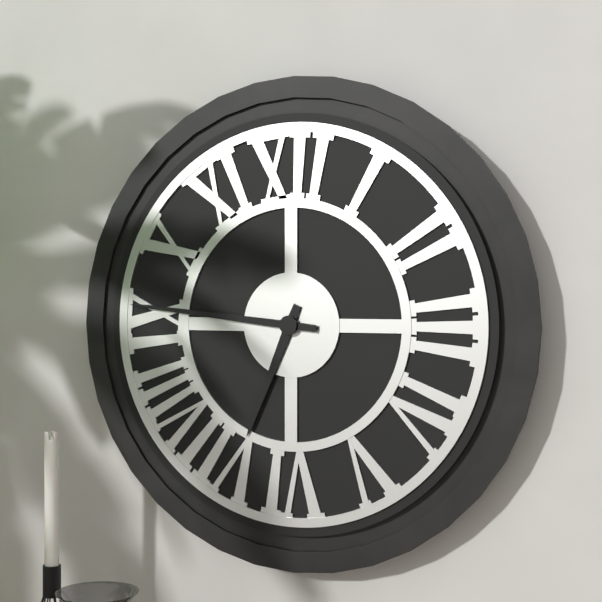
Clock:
6.46
